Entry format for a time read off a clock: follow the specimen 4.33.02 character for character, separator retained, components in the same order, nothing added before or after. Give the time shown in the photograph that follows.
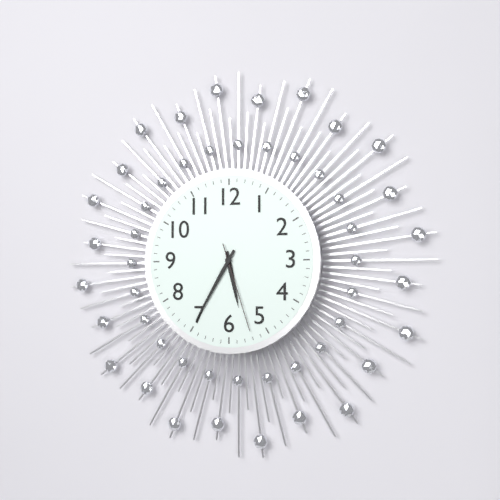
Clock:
5.35.27
